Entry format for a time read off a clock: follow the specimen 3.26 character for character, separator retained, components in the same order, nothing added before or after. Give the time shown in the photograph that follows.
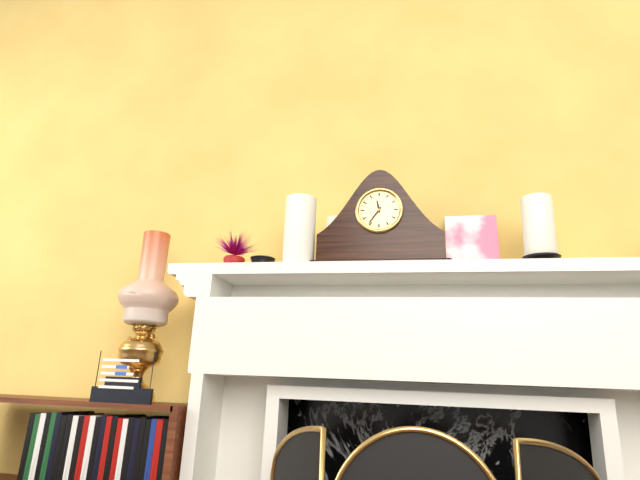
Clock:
11.36
